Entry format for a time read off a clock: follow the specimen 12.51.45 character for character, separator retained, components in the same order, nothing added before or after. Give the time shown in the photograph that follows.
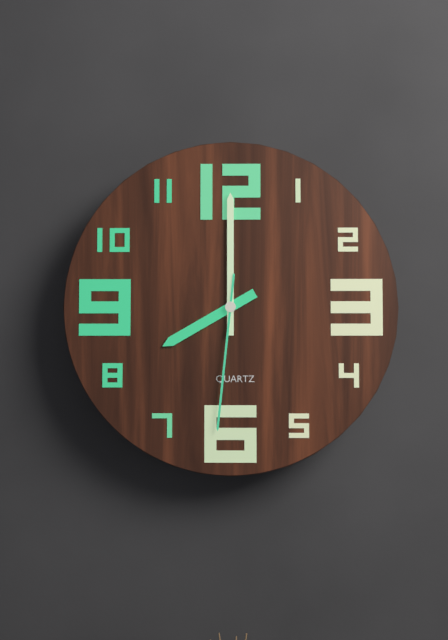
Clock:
8.00.31
